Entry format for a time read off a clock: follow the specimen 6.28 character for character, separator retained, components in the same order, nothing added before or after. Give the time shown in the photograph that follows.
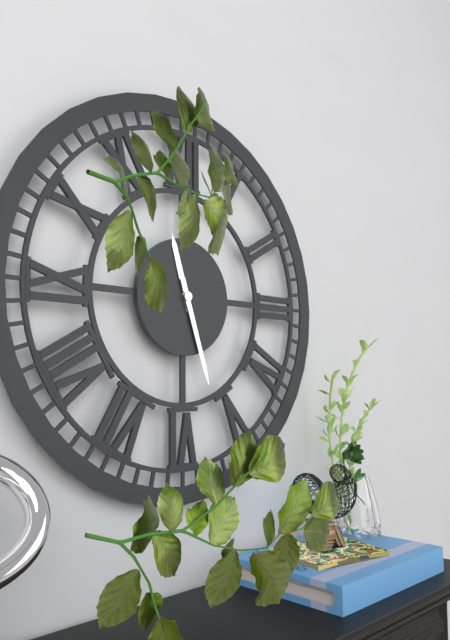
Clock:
11.27
